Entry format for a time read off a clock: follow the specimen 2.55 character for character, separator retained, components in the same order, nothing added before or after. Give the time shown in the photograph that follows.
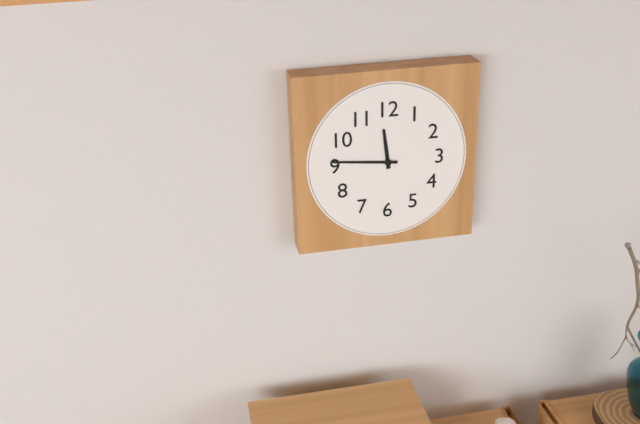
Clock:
11.46
